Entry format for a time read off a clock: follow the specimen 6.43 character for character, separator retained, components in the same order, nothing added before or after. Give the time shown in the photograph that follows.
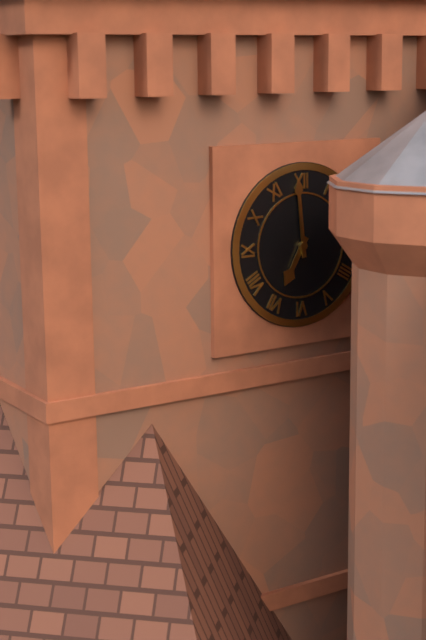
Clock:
6.59
